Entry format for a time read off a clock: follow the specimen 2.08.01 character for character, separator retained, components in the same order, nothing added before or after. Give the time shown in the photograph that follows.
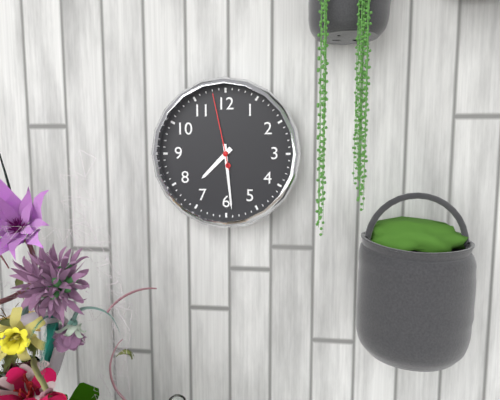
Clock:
7.29.58
